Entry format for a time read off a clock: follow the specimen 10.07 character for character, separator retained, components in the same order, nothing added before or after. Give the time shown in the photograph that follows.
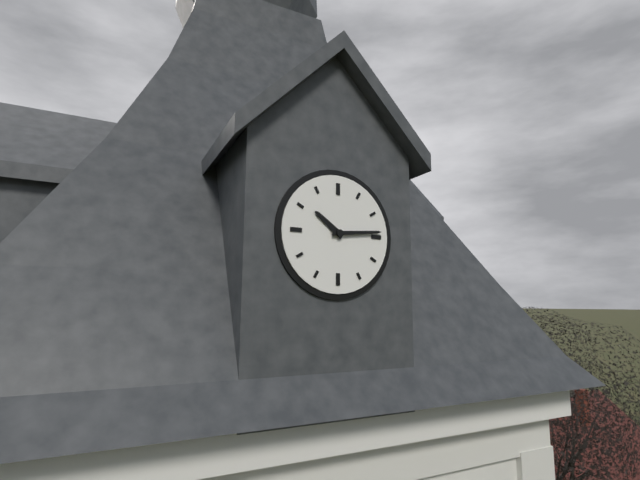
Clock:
10.14
